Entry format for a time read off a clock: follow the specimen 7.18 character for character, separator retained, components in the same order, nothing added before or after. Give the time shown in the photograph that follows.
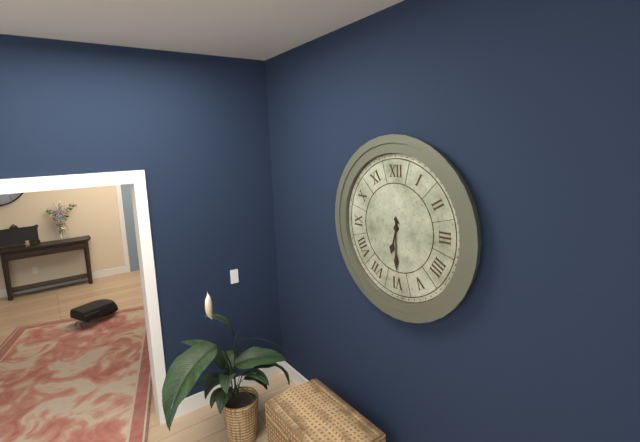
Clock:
6.30
